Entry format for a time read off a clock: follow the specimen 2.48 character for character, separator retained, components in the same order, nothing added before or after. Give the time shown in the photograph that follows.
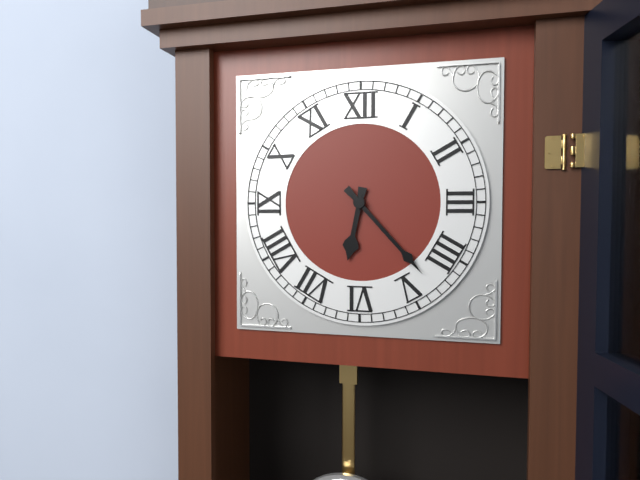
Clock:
6.23
